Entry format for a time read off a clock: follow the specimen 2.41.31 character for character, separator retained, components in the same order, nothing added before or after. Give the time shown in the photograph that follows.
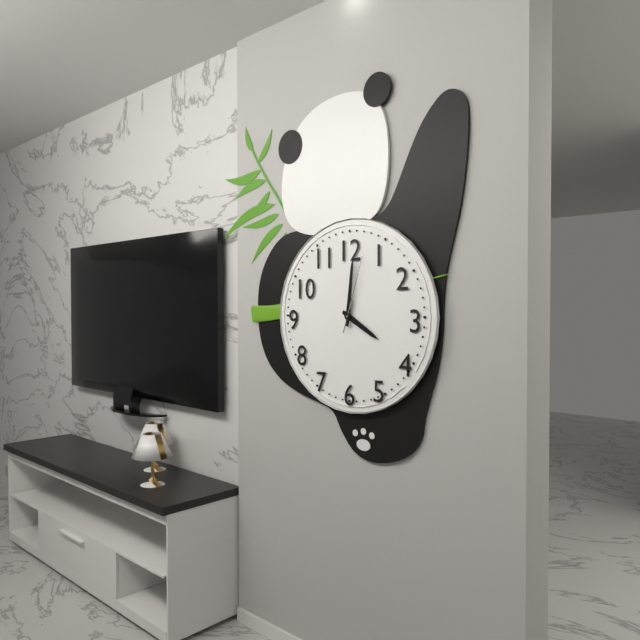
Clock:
4.01.03
